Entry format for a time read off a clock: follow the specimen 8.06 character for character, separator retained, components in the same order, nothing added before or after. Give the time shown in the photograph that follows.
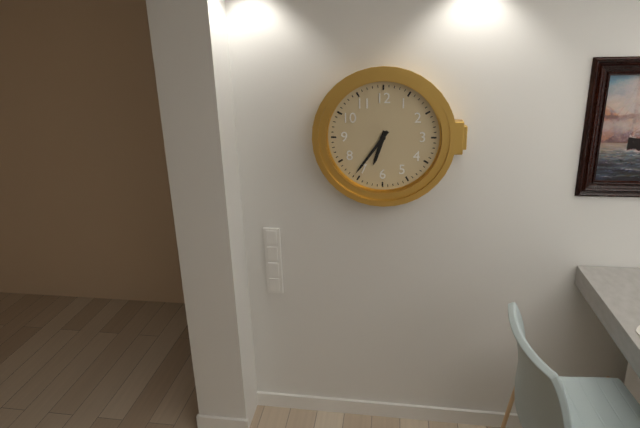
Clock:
6.36
